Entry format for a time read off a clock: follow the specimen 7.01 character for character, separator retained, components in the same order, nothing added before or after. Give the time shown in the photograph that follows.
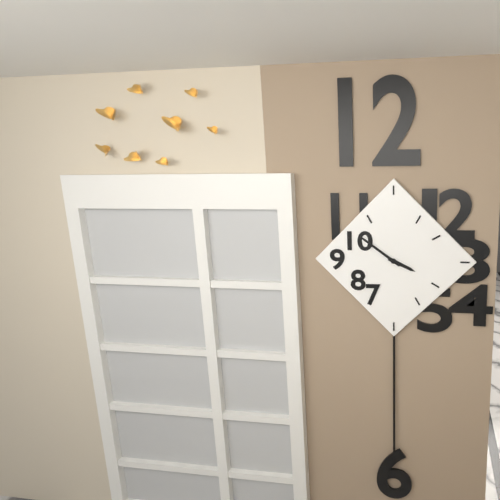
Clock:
3.51
